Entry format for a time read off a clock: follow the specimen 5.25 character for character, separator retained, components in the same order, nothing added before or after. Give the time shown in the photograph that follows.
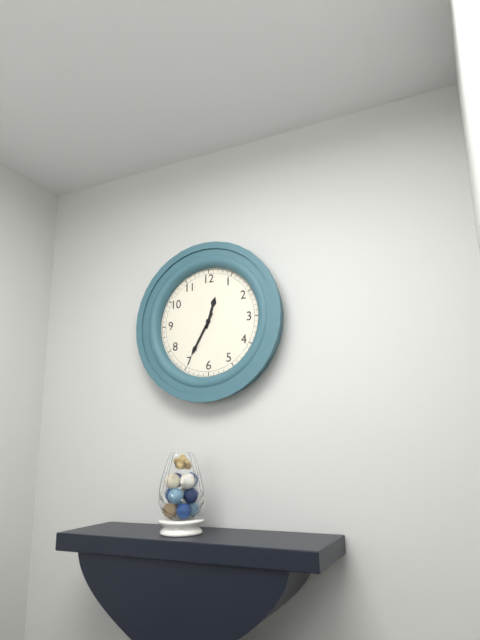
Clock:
12.35
